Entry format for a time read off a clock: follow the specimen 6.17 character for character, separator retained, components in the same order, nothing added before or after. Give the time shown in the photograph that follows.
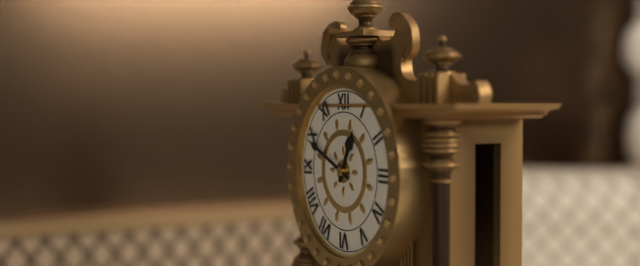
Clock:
12.49
